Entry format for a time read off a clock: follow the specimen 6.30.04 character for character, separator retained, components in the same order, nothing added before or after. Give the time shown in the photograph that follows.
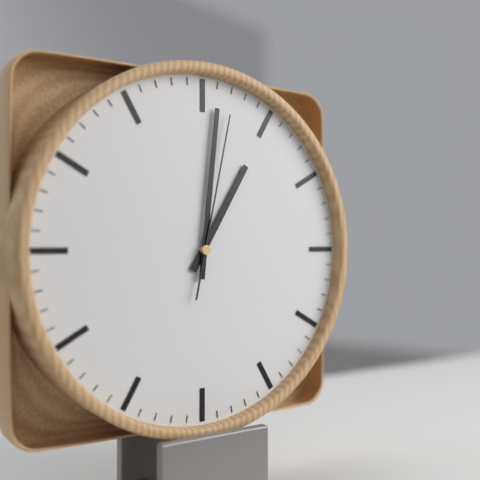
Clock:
1.01.02
